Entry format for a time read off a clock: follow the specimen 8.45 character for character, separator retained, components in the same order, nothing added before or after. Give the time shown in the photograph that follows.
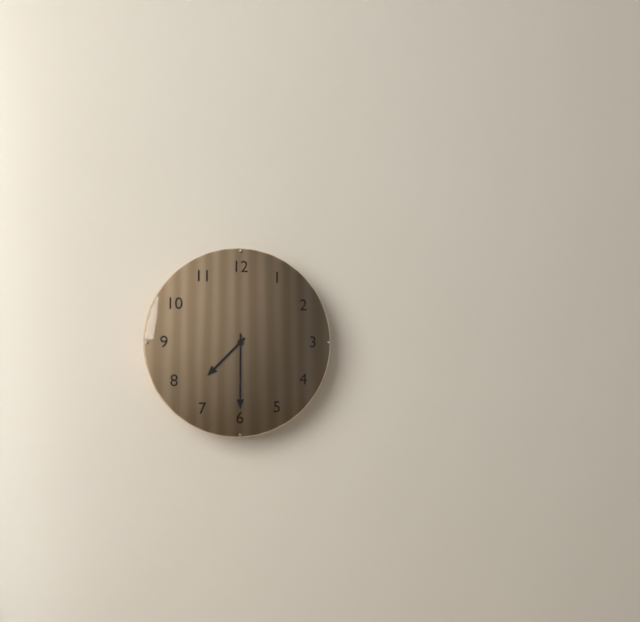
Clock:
7.30
